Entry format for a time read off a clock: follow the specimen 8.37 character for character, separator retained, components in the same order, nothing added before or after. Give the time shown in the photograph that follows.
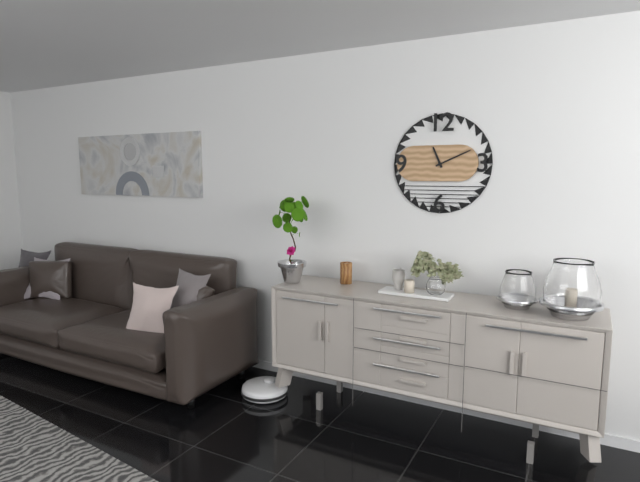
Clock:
11.11
